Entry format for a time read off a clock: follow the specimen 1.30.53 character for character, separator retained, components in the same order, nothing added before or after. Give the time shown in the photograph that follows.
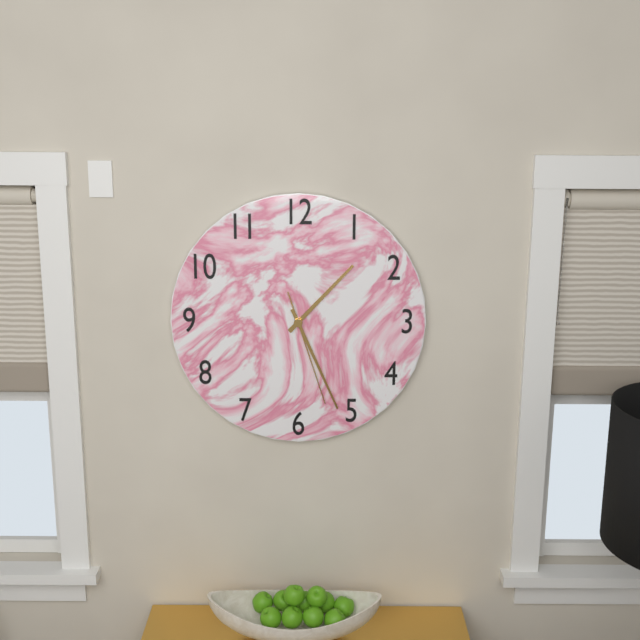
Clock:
1.26.27
